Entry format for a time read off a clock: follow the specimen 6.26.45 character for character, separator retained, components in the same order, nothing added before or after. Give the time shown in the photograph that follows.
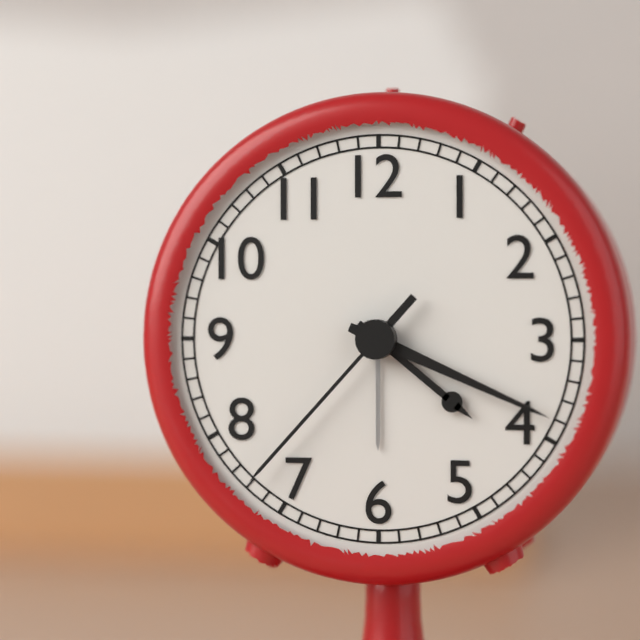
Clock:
4.19.37
